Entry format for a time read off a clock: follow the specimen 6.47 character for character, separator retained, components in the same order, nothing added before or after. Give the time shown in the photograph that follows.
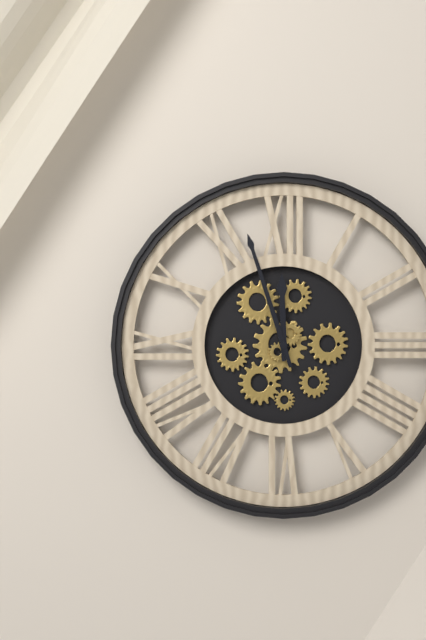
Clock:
11.57
